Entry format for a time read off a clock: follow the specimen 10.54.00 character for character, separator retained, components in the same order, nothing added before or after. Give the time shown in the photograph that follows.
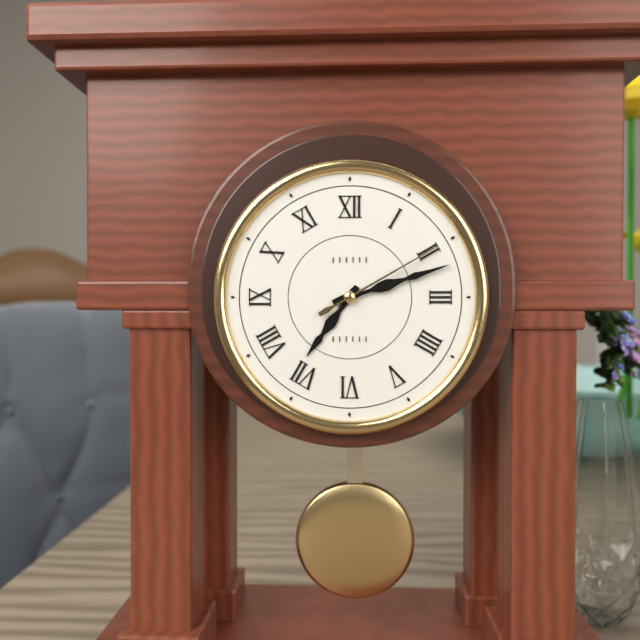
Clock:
7.12.10
